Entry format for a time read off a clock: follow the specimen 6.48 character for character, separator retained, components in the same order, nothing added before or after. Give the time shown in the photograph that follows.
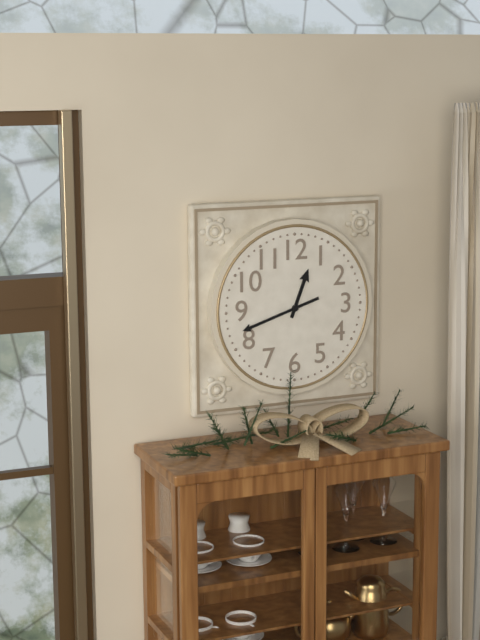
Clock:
12.42
